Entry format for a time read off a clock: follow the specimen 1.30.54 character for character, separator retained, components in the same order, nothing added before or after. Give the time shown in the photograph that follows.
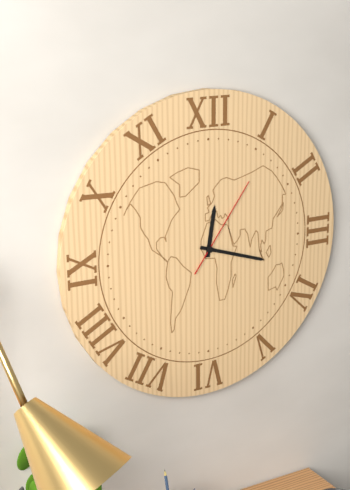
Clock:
12.18.06
